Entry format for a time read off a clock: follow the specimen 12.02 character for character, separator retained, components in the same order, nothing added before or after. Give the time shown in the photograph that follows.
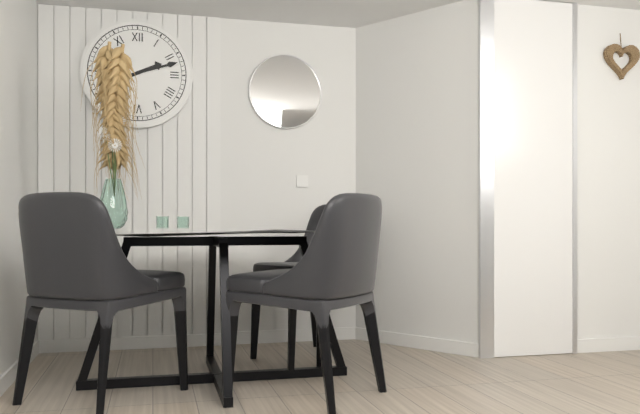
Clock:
2.12
